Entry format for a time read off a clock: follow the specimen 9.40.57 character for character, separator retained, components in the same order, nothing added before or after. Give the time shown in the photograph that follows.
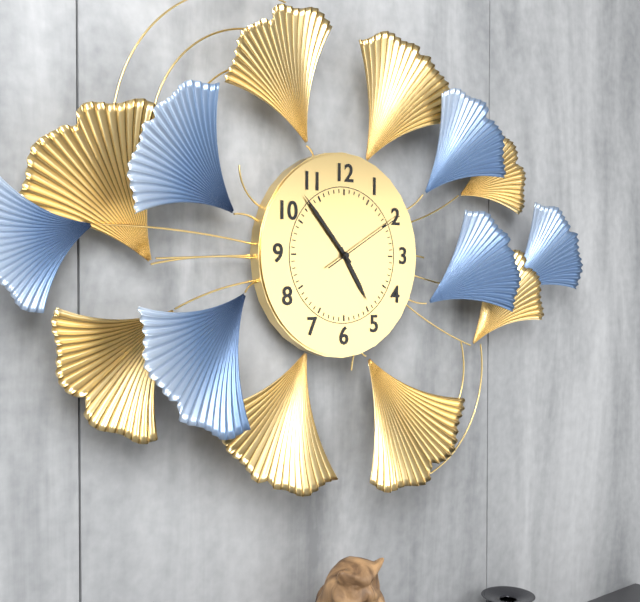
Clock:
4.53.10
